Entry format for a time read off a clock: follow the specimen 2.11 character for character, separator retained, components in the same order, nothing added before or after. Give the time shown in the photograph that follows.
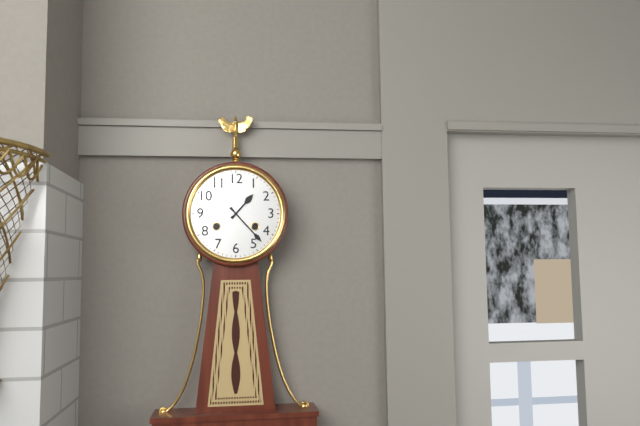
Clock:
1.23
